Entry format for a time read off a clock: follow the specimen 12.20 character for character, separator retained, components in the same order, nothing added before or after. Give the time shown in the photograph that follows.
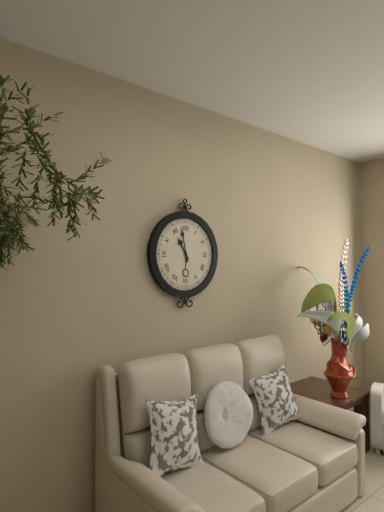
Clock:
10.58
